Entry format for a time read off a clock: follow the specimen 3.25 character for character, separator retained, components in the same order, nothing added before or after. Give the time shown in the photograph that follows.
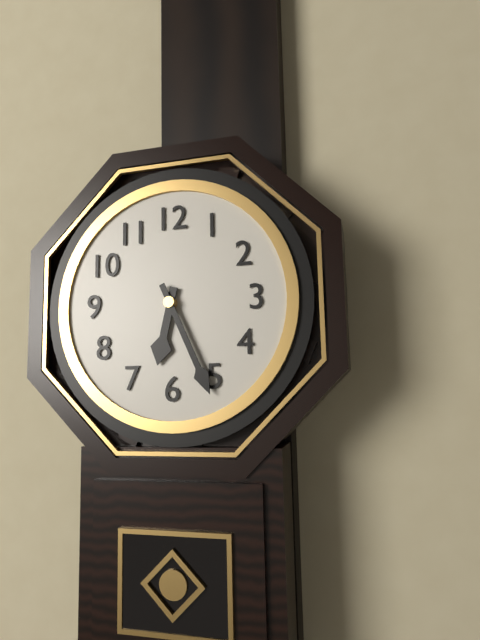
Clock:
6.26
